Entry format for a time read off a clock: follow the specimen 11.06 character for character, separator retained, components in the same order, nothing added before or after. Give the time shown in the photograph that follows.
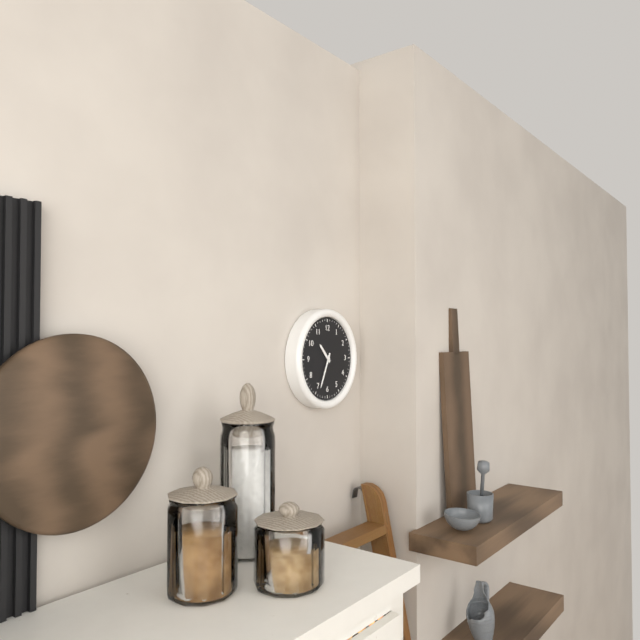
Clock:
10.34
